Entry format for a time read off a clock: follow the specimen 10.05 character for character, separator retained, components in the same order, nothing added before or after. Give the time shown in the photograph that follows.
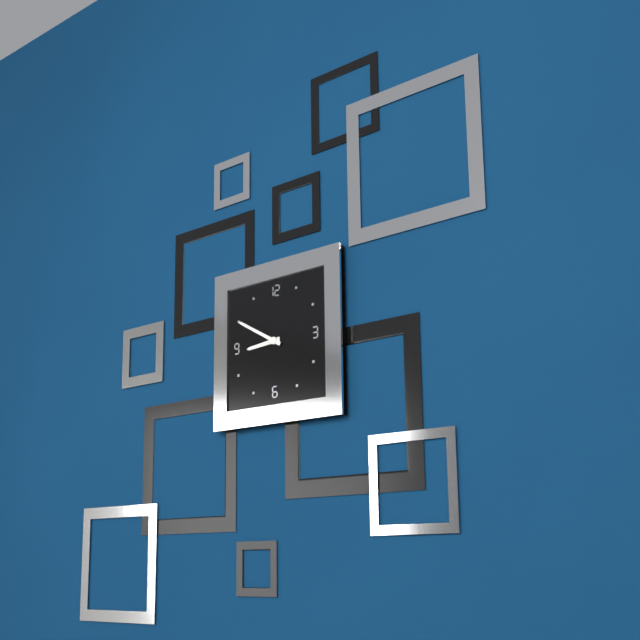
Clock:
8.50
